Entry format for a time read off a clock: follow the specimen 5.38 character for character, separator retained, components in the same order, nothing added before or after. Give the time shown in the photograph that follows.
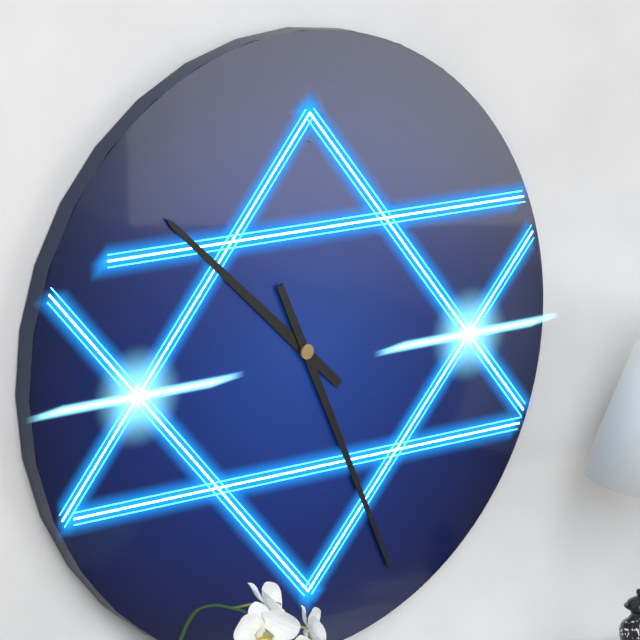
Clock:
10.26
